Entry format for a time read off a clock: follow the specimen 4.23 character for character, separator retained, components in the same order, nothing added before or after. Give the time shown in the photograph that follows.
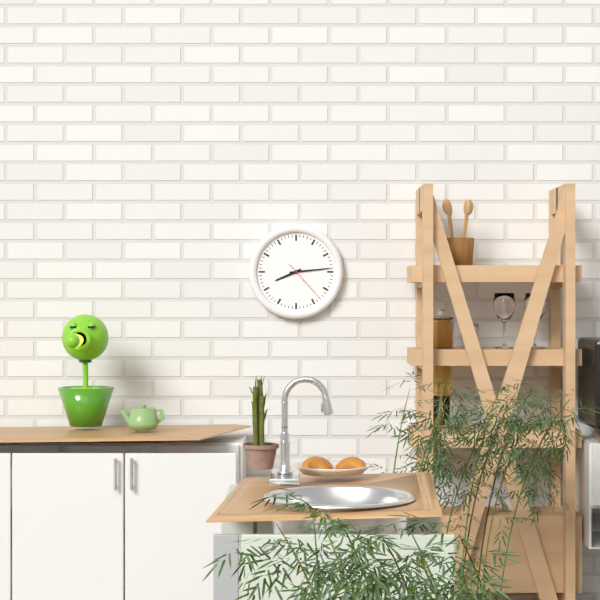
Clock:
8.14
